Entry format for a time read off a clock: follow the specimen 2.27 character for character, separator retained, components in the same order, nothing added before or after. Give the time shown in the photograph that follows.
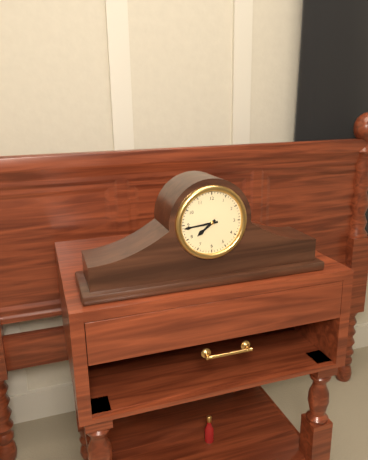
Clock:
7.44
